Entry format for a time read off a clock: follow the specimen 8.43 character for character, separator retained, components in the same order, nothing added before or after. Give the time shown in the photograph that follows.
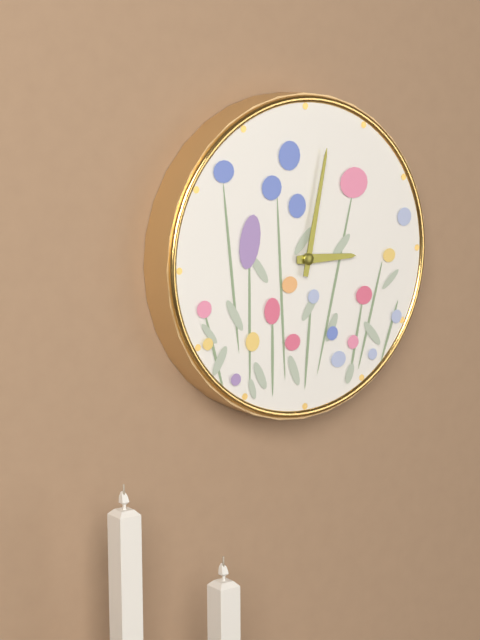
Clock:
3.02
